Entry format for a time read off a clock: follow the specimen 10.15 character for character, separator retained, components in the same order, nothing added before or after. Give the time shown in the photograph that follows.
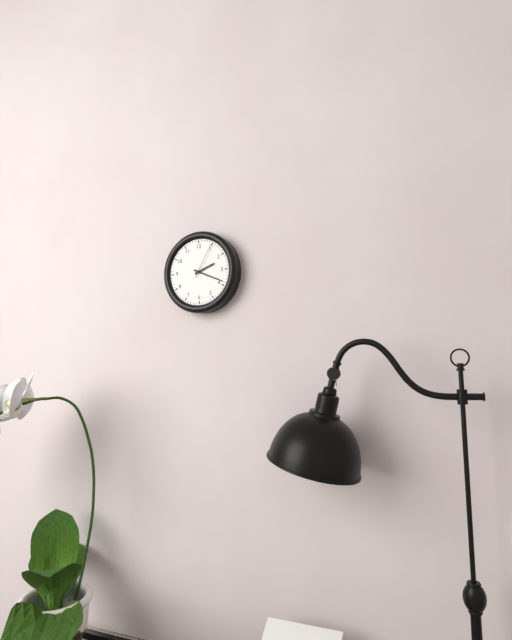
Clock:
2.19
